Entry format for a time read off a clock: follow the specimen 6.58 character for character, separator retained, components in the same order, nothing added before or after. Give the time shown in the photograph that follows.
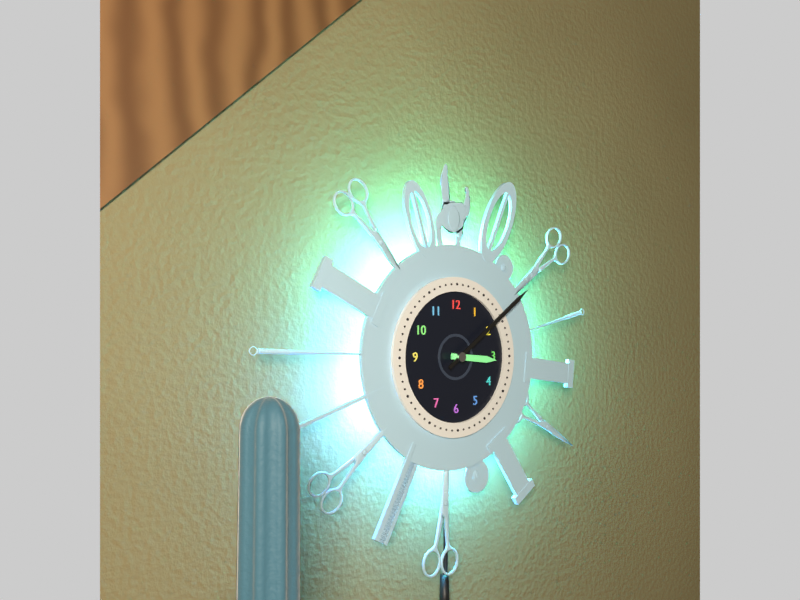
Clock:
3.09
